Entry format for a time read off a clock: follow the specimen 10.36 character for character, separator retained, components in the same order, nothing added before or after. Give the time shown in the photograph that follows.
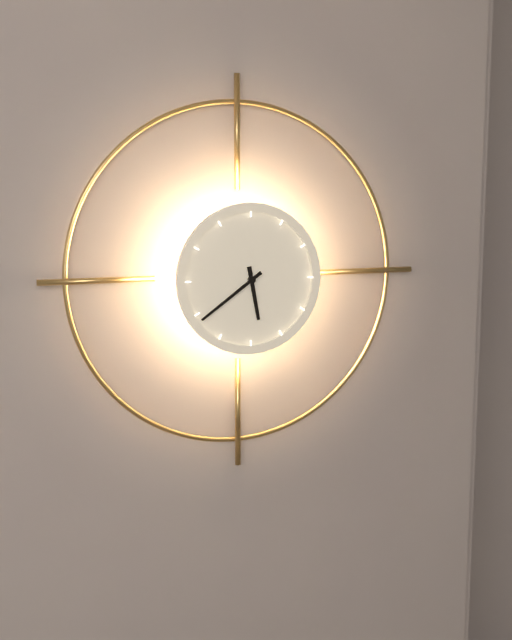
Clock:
5.39
